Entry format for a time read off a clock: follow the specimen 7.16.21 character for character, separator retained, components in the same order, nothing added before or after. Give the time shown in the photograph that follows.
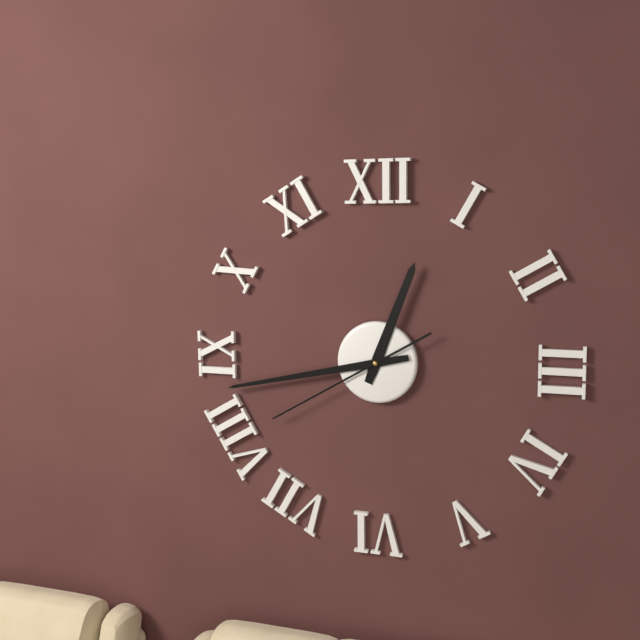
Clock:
12.43.40
